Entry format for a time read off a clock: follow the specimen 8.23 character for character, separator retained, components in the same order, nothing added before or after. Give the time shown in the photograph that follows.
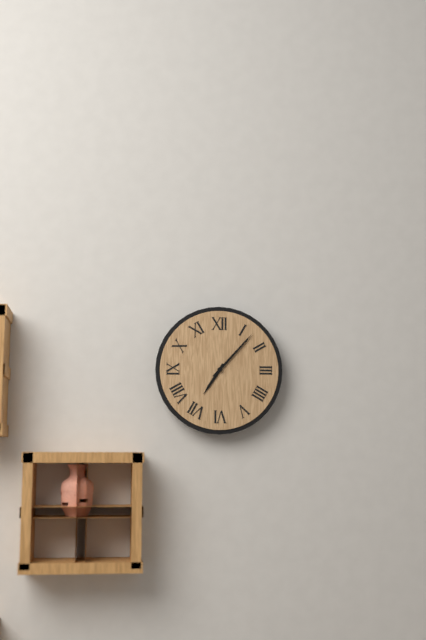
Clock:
7.07
